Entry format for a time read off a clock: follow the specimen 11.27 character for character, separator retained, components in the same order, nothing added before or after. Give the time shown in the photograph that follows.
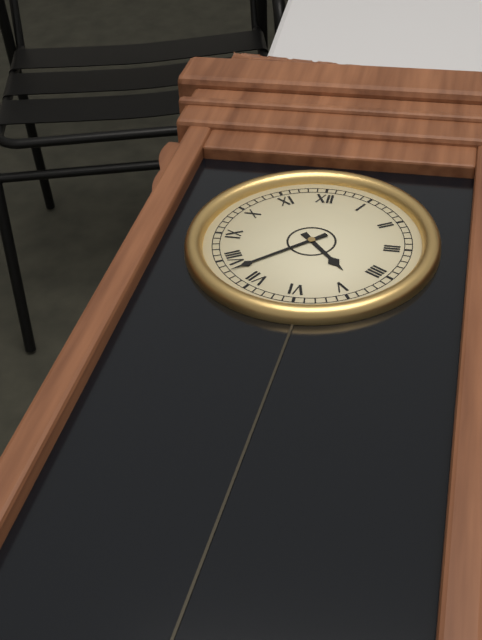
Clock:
4.38
